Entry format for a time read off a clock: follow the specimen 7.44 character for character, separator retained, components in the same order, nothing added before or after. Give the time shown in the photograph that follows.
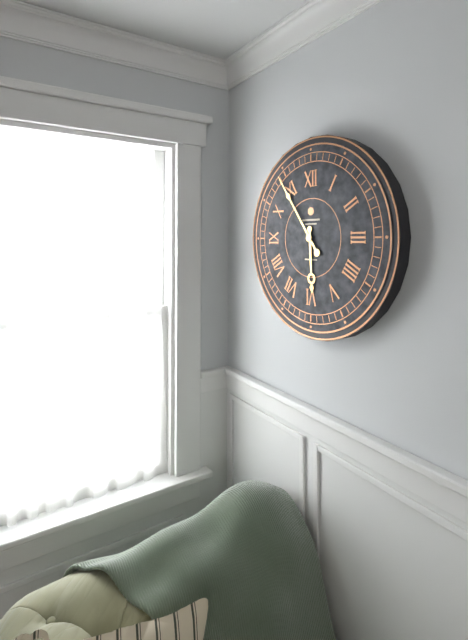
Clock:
5.54
